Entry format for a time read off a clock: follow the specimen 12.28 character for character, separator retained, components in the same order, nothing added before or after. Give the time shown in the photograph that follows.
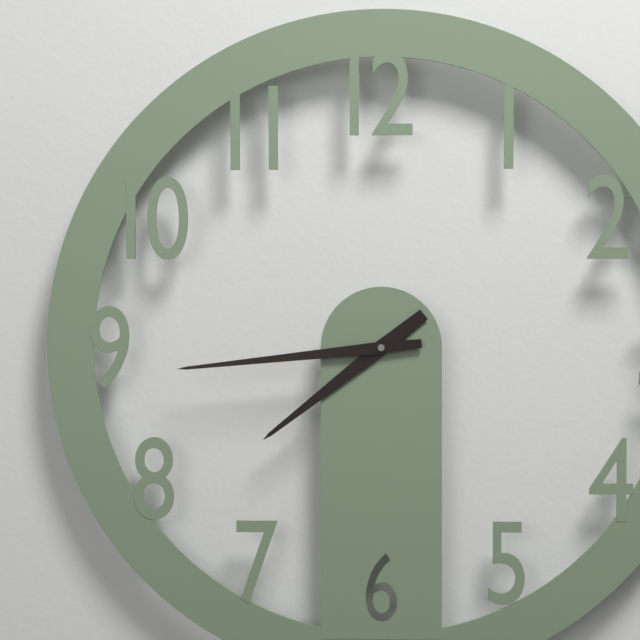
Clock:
7.44
